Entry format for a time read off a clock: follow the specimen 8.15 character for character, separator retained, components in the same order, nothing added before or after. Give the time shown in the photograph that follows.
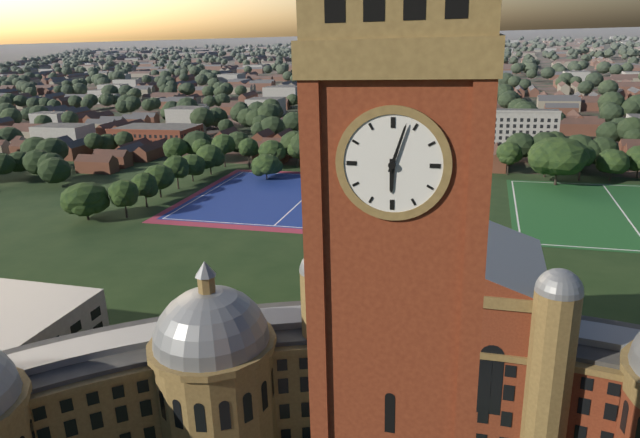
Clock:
6.03
